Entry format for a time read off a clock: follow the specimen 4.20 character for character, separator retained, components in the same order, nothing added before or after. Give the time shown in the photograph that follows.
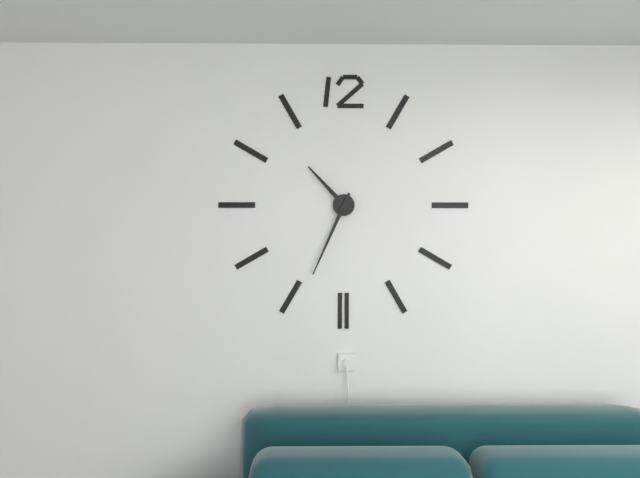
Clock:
10.34
